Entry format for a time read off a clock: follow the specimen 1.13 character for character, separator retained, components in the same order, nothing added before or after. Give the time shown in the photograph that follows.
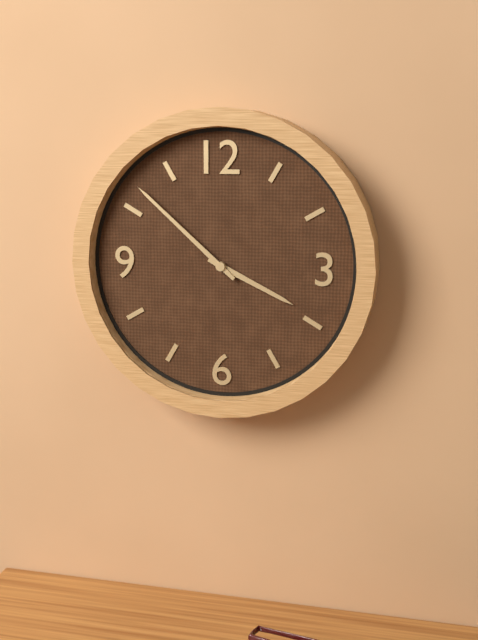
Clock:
3.52
